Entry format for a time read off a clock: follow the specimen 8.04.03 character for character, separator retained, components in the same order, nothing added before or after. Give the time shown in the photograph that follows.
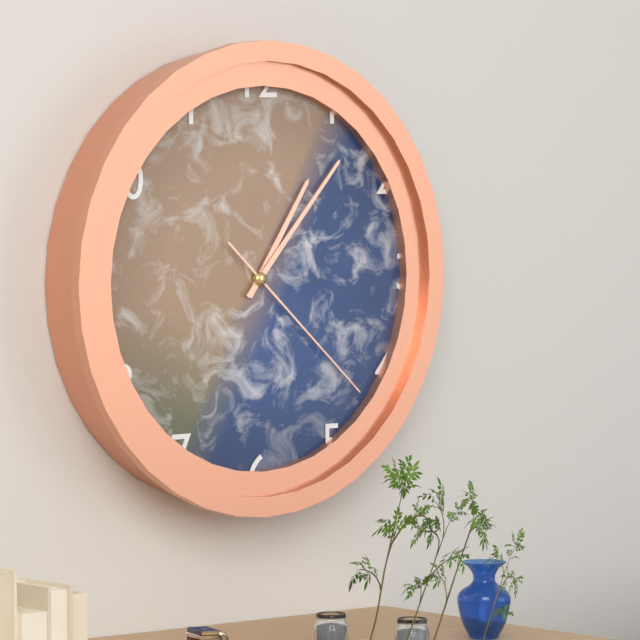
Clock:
1.07.22
